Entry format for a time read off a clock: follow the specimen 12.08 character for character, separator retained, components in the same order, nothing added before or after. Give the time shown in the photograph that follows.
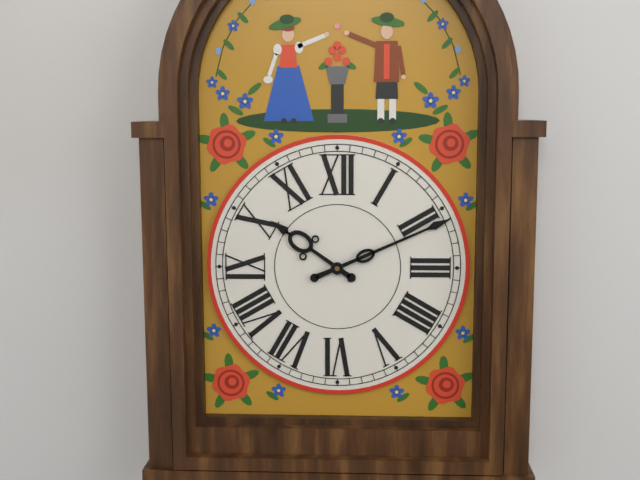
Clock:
10.11
